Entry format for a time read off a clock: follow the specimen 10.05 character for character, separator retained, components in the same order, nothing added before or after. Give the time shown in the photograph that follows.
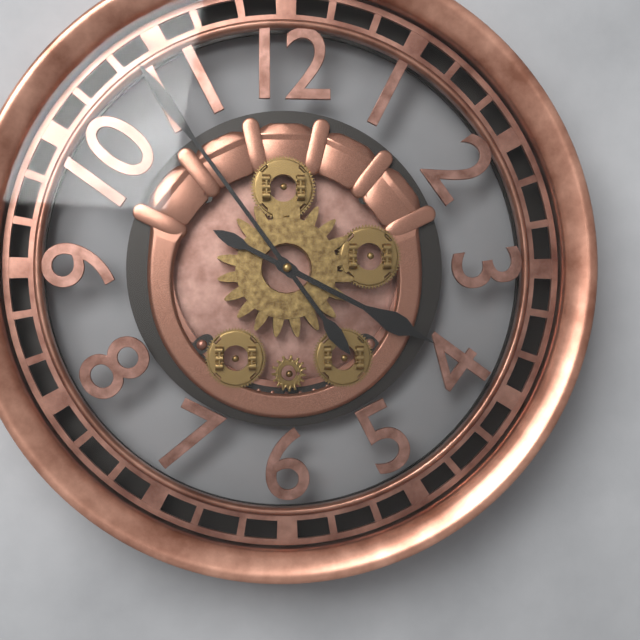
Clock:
3.54
